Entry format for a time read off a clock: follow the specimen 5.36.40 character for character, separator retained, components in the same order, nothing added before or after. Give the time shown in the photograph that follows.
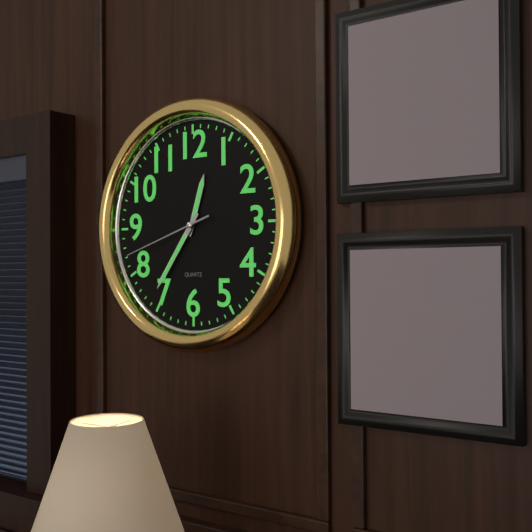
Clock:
12.36.42
